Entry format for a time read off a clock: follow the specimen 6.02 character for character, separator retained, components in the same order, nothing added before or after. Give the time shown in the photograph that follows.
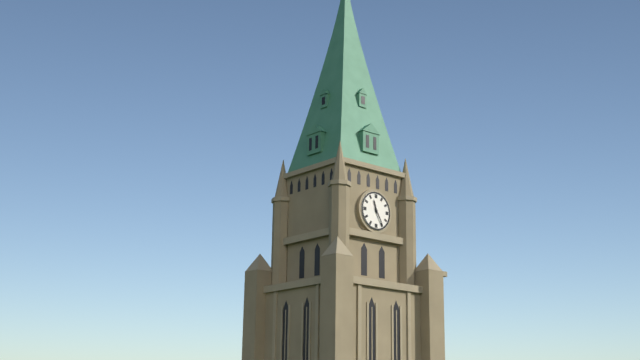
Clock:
11.25
